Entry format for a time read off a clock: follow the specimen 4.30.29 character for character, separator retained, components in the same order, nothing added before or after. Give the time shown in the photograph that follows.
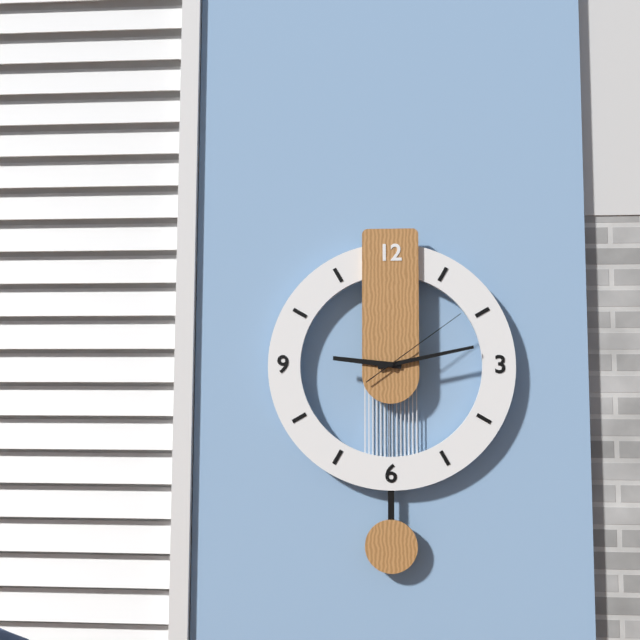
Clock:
9.13.09
